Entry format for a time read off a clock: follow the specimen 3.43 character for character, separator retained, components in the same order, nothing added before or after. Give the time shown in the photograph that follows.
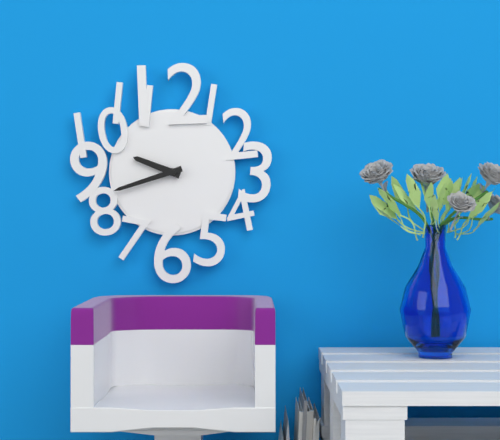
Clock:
9.42
